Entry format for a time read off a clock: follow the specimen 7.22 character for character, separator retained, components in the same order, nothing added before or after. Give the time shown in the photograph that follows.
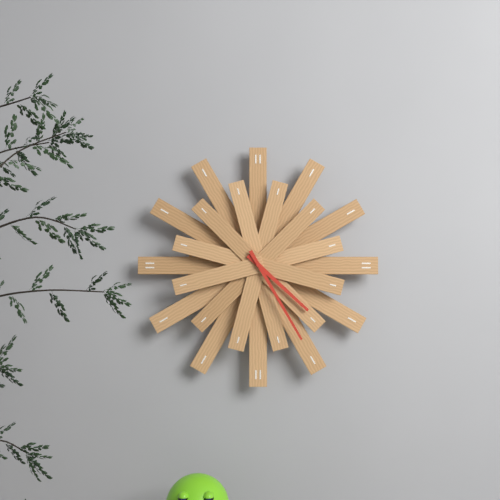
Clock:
4.25
